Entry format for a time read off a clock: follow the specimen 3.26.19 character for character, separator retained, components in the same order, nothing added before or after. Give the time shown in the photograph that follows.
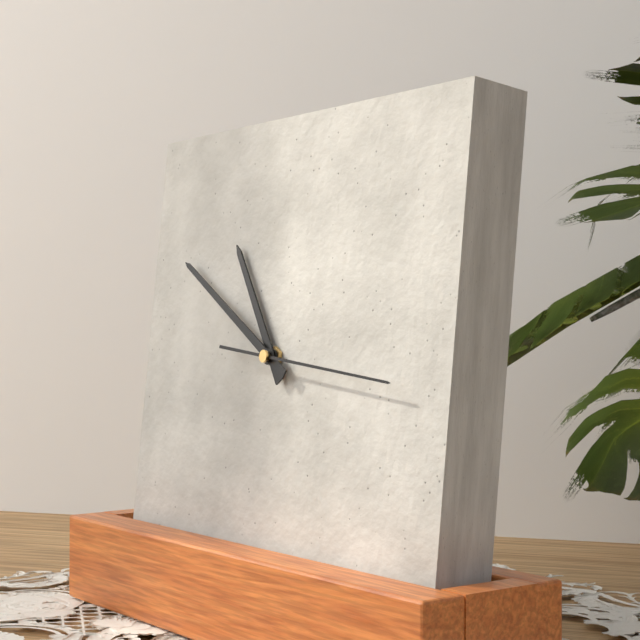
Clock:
10.50.16
